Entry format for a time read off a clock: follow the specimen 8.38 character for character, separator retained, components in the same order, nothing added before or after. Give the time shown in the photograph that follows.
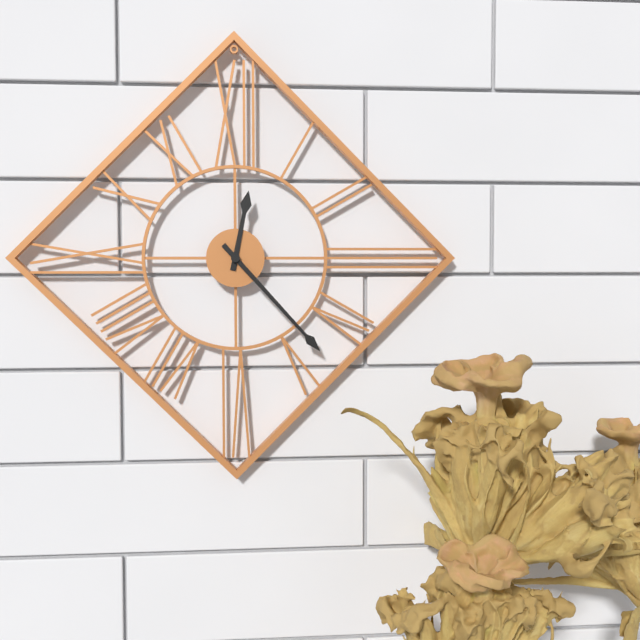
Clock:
12.23
